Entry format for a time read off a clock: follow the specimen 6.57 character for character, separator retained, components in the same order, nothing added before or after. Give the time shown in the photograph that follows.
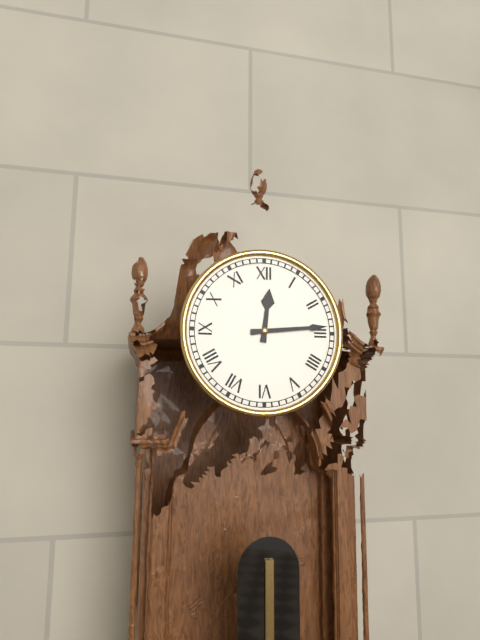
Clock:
12.14
